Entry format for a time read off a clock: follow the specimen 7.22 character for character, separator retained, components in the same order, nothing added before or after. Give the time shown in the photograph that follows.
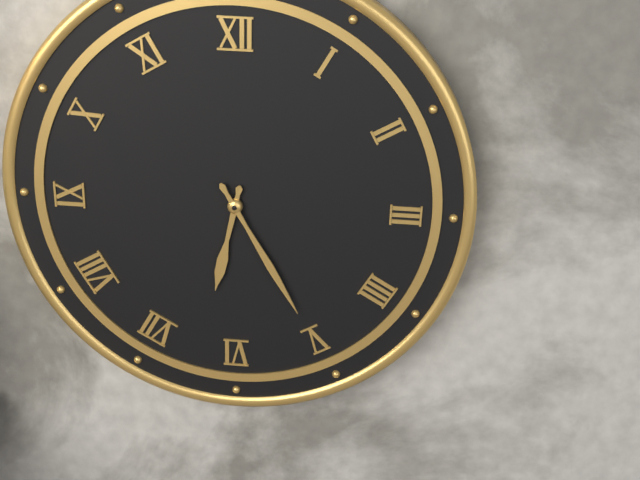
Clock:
6.25
